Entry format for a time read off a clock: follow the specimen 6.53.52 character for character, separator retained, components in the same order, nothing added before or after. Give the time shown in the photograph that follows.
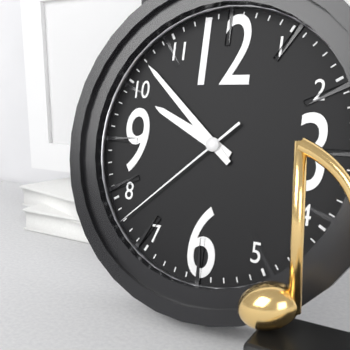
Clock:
9.52.38
